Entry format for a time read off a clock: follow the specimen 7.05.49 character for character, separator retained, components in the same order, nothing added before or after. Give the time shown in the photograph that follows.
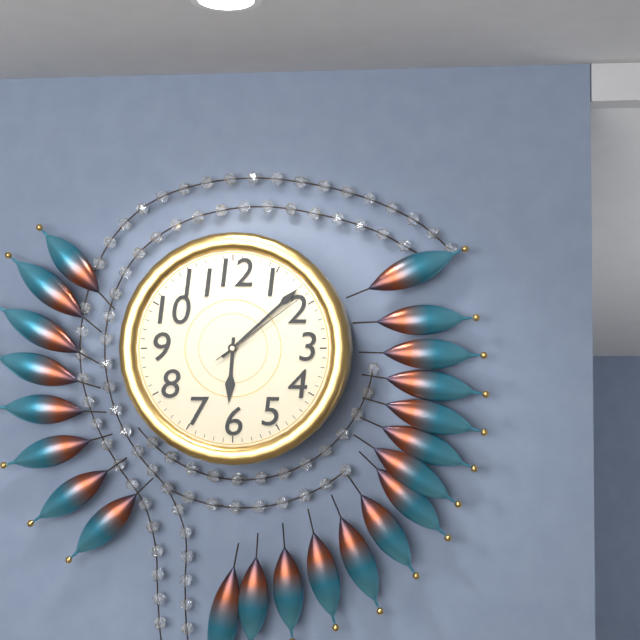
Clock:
6.08.09
